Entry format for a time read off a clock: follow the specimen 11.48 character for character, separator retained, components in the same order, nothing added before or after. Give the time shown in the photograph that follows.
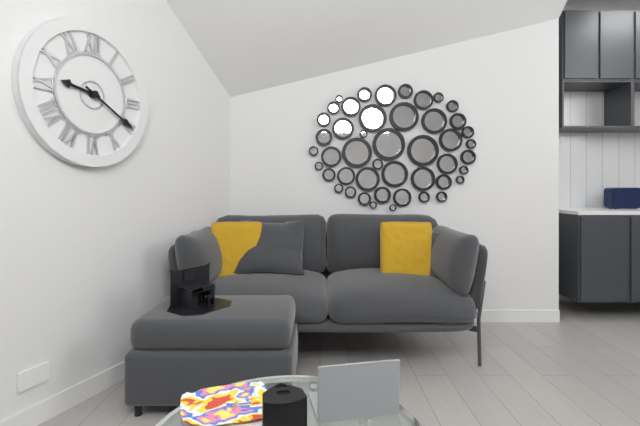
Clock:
9.20
